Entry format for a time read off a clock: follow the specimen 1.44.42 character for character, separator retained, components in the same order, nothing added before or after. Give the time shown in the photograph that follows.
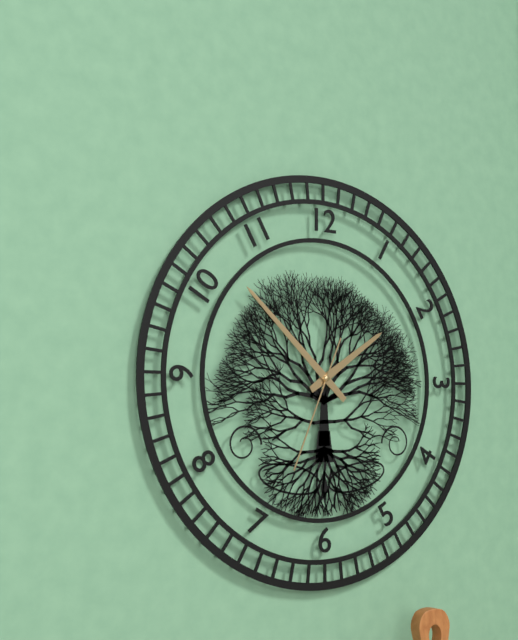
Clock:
1.52.34
